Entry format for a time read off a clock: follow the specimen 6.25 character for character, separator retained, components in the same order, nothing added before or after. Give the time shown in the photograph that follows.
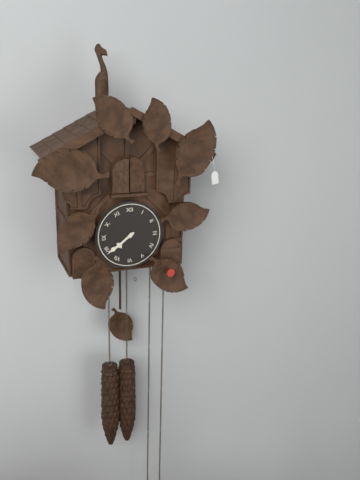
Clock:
7.39
